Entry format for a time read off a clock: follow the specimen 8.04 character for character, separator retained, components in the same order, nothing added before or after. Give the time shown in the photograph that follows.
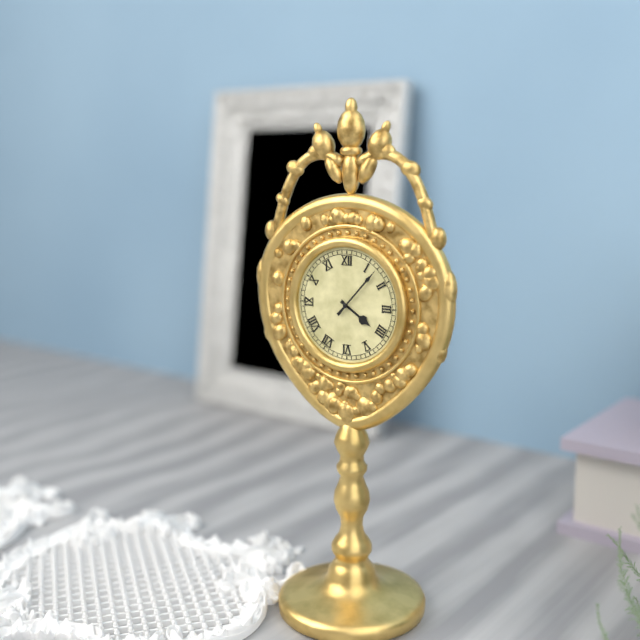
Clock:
4.07
